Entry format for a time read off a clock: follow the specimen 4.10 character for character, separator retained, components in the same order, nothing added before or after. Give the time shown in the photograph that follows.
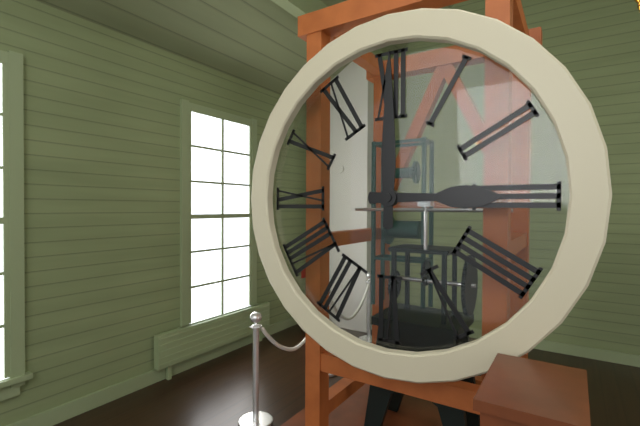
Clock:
3.00
